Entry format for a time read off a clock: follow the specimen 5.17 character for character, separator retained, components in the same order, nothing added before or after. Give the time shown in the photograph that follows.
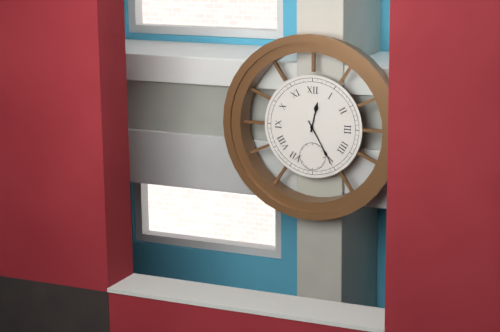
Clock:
12.25
